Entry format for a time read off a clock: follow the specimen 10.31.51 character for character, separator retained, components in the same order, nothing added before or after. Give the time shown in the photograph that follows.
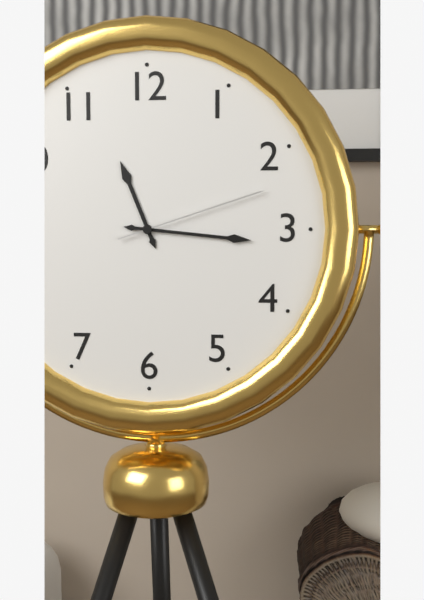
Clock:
11.16.12
